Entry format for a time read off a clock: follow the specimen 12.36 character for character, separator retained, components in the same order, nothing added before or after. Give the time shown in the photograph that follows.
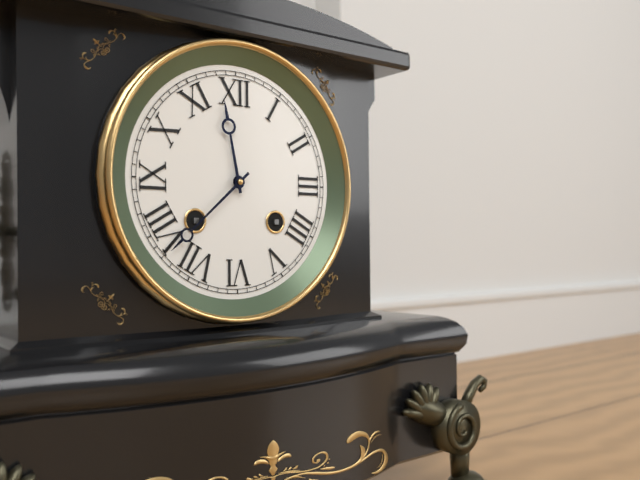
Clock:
11.38
